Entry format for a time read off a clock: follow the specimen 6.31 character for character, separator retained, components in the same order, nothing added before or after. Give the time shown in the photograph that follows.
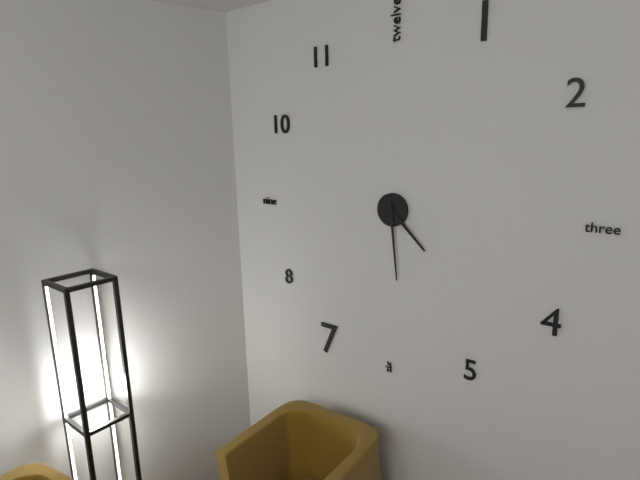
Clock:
4.29
